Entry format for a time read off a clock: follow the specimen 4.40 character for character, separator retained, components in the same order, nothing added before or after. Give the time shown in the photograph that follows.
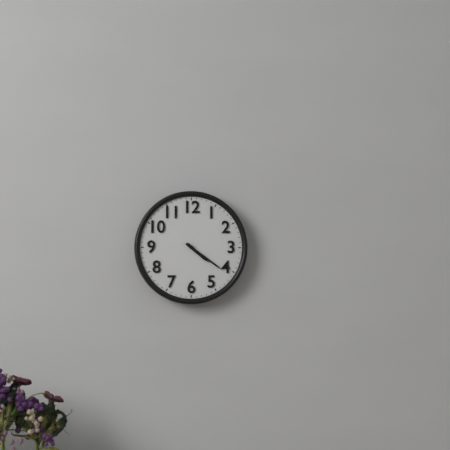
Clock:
4.21
